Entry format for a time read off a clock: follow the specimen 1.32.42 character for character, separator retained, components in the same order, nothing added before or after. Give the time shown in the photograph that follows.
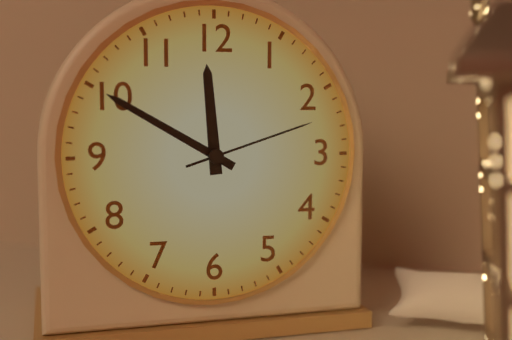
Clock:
11.50.12
